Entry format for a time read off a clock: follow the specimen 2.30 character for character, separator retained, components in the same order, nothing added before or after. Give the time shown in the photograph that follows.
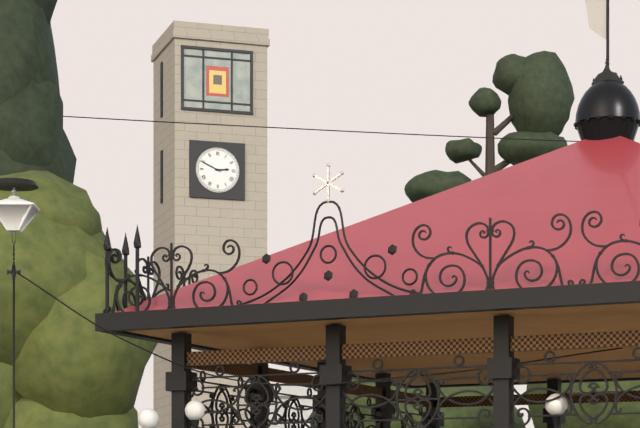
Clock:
2.49
